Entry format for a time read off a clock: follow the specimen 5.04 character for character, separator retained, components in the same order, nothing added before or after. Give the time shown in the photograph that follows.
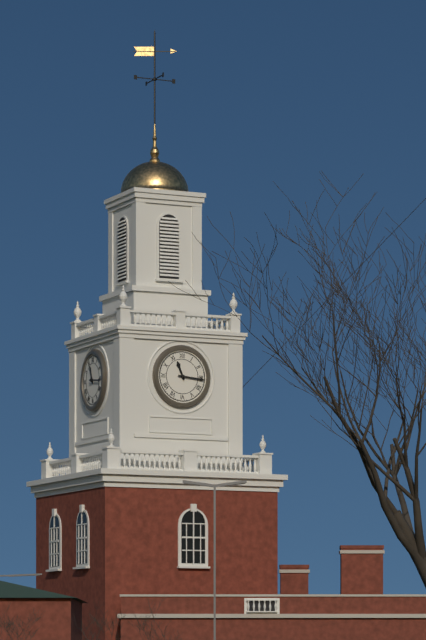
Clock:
11.16
